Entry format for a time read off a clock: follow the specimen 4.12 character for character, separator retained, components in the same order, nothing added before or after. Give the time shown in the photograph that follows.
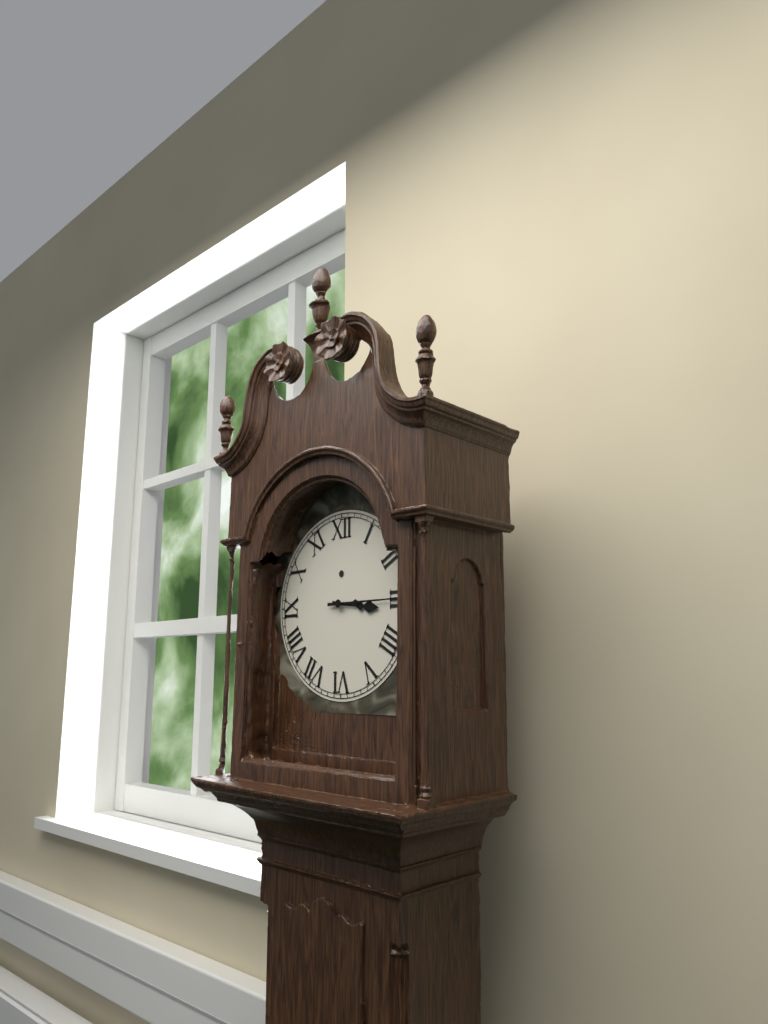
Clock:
3.15
